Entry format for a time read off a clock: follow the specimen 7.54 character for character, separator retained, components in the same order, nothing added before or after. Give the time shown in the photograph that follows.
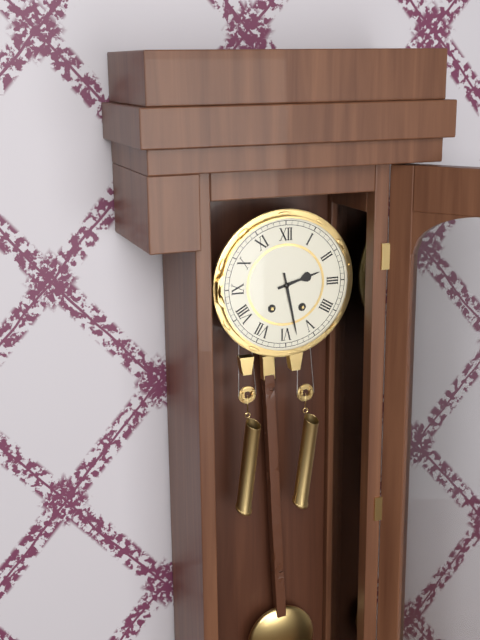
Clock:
2.28
